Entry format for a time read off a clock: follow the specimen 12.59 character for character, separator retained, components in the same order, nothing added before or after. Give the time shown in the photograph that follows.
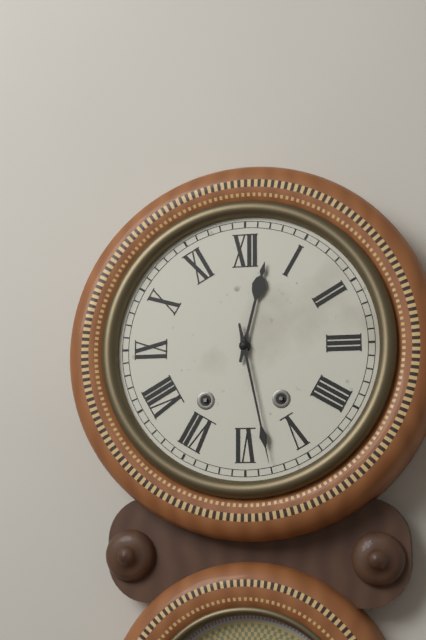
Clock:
12.28
